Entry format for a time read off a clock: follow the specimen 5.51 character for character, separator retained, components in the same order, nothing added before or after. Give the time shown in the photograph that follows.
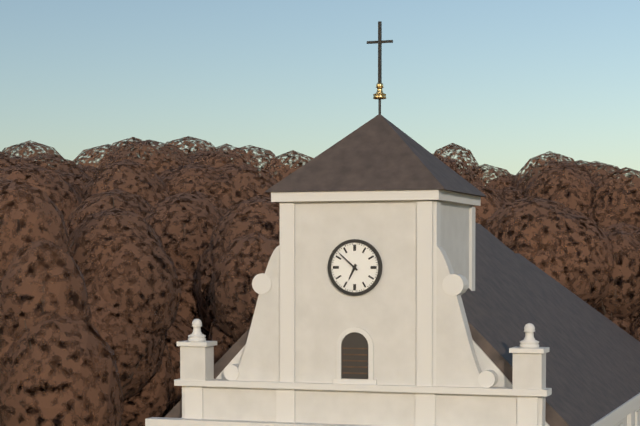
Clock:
6.52
